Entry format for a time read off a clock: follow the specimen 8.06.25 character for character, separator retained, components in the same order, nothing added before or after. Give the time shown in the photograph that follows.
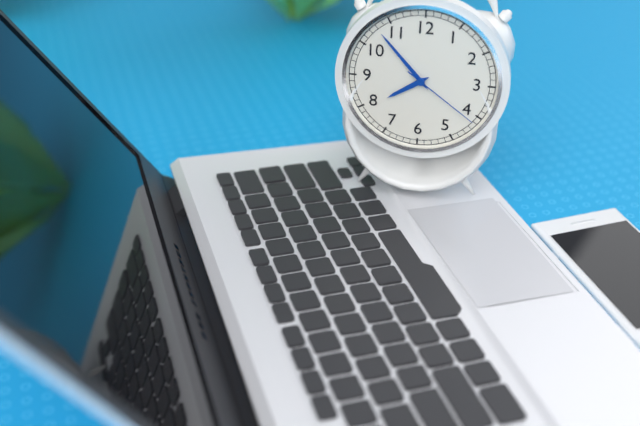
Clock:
7.53.21
